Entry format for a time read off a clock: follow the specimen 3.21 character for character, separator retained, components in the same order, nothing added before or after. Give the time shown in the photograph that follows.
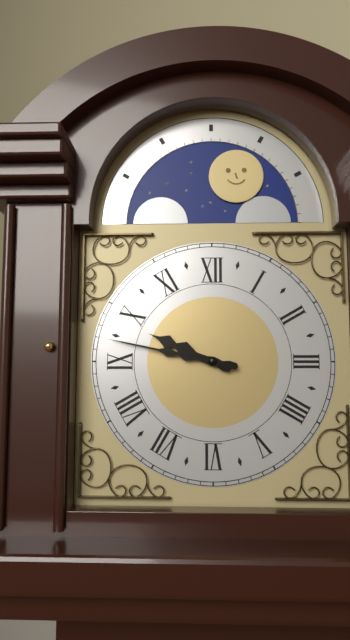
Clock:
9.47
